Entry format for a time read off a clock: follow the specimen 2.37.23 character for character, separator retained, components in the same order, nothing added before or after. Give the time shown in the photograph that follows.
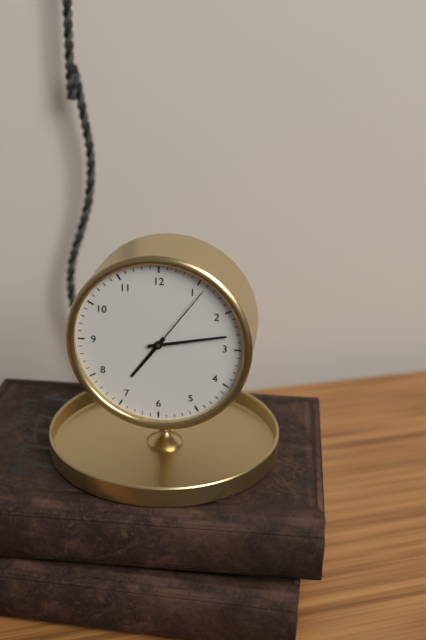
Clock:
7.13.06
